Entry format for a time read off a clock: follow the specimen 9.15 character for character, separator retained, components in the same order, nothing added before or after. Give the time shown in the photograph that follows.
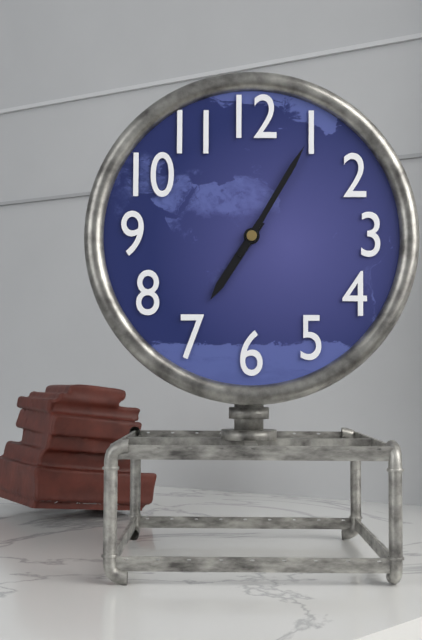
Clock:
7.05
